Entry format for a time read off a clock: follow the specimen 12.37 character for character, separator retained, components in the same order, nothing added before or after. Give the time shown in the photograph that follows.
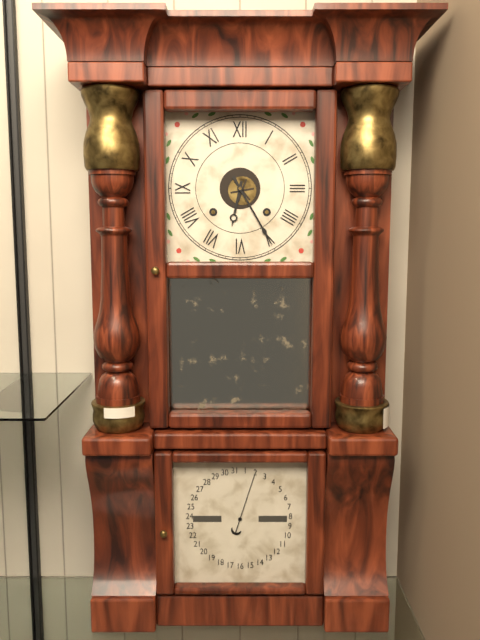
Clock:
6.25
